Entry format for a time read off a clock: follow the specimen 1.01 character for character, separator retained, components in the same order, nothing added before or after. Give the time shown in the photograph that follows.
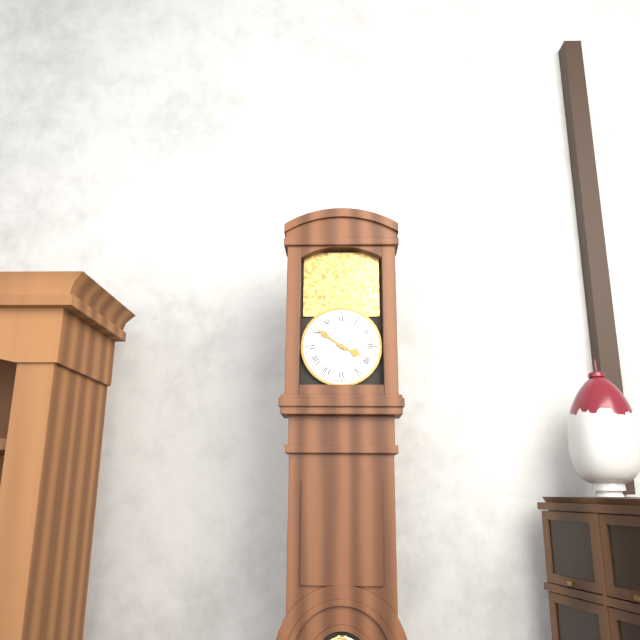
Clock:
3.51
